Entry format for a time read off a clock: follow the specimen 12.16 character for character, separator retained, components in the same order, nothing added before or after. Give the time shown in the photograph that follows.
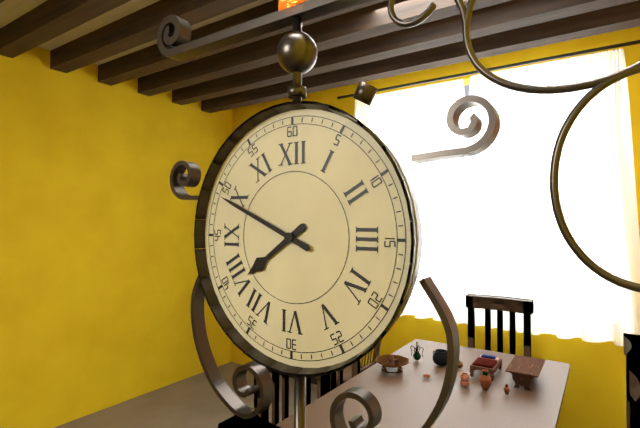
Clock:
7.49
